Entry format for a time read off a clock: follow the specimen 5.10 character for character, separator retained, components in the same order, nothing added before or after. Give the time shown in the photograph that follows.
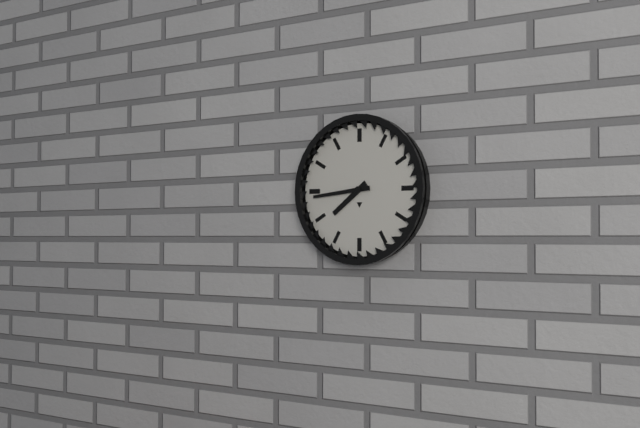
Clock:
7.44
